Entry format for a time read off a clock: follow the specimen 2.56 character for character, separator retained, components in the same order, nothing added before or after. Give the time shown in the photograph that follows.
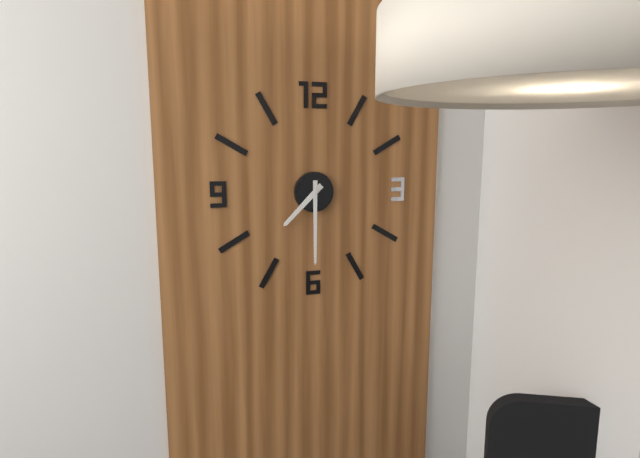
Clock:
7.30
